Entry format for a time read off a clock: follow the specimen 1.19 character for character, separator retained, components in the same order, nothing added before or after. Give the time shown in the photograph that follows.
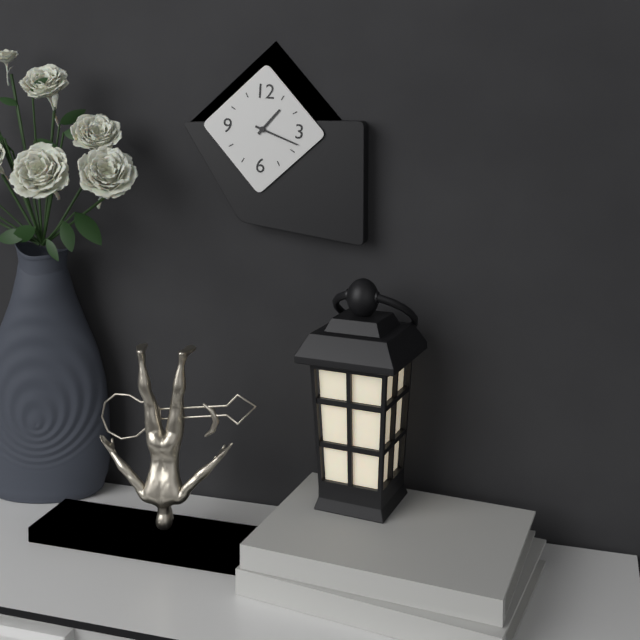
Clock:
1.18
